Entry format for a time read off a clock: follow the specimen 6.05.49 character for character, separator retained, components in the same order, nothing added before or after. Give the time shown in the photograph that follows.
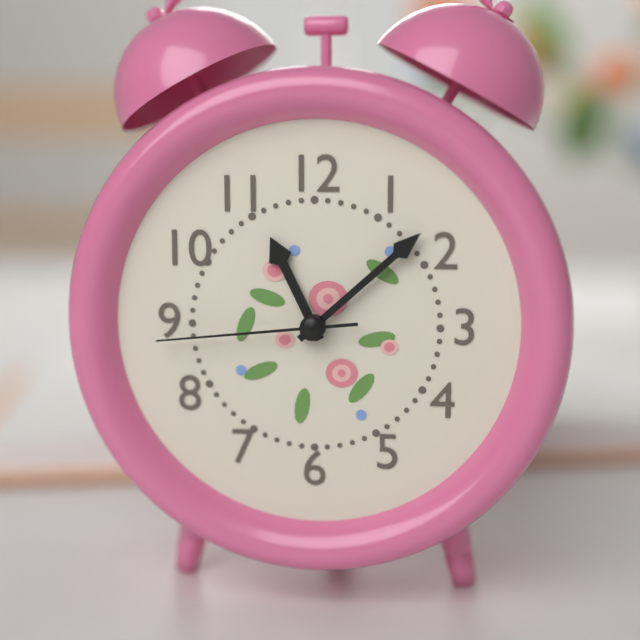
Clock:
11.08.44
